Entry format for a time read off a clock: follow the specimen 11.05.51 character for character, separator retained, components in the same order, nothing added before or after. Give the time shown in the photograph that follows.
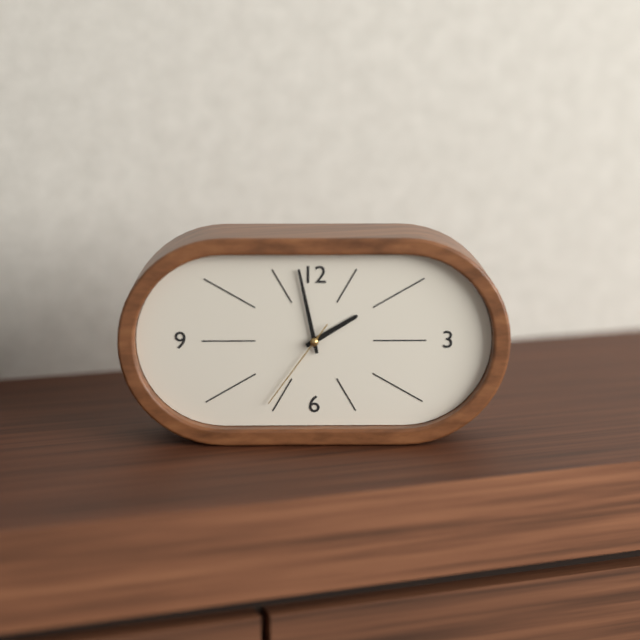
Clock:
1.58.36
